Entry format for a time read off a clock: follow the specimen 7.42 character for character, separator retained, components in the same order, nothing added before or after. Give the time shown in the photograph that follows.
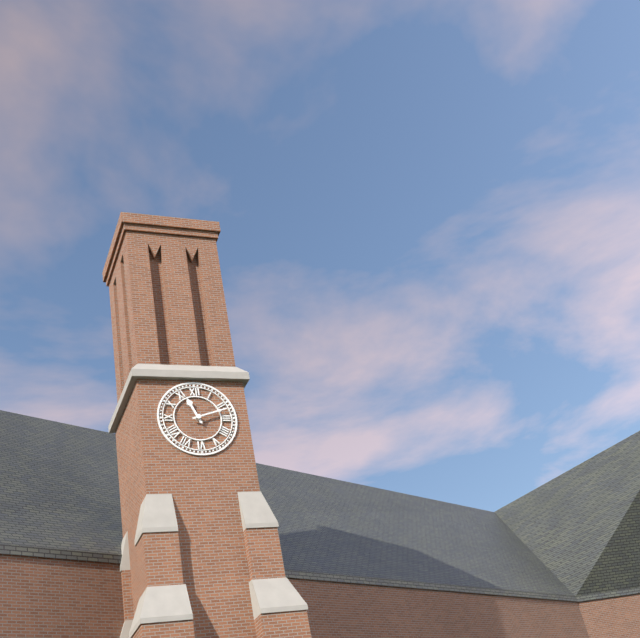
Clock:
11.12
